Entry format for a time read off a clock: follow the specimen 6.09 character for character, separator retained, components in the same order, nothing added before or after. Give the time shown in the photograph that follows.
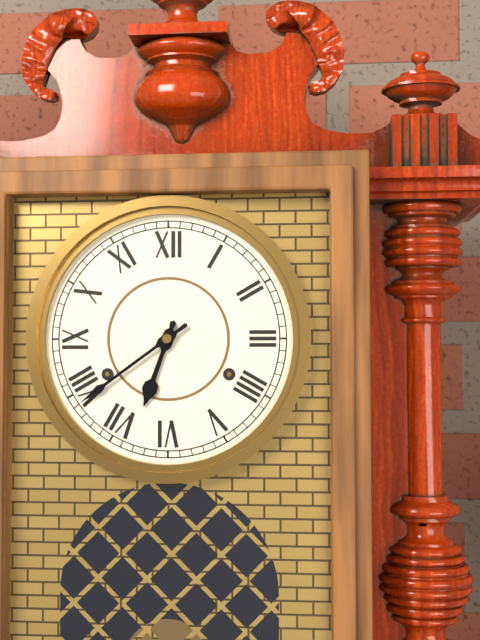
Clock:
6.39
